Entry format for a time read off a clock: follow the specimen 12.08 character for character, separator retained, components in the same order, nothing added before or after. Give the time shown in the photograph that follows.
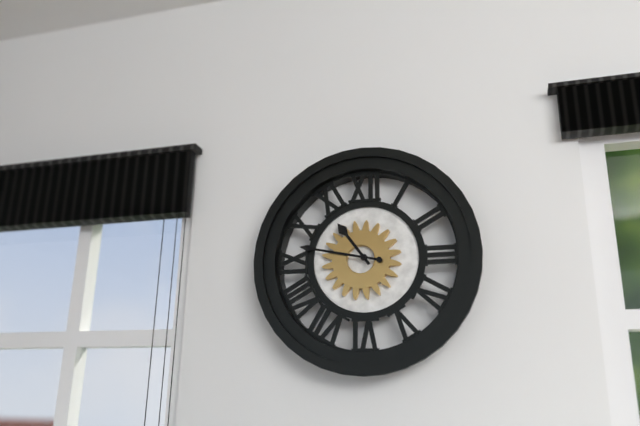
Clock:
10.47
